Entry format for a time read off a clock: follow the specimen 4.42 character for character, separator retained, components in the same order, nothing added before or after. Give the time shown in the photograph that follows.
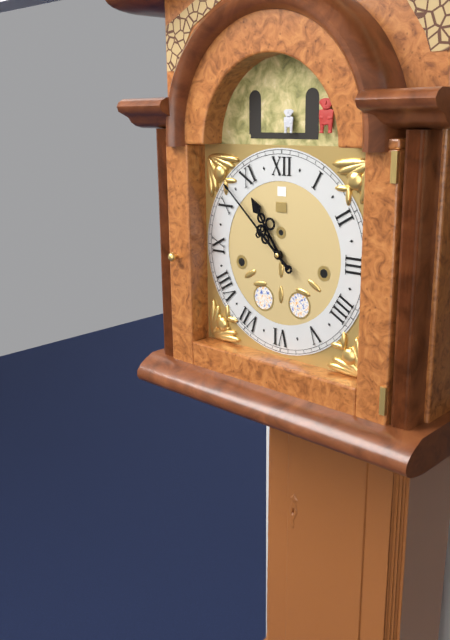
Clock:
10.52
